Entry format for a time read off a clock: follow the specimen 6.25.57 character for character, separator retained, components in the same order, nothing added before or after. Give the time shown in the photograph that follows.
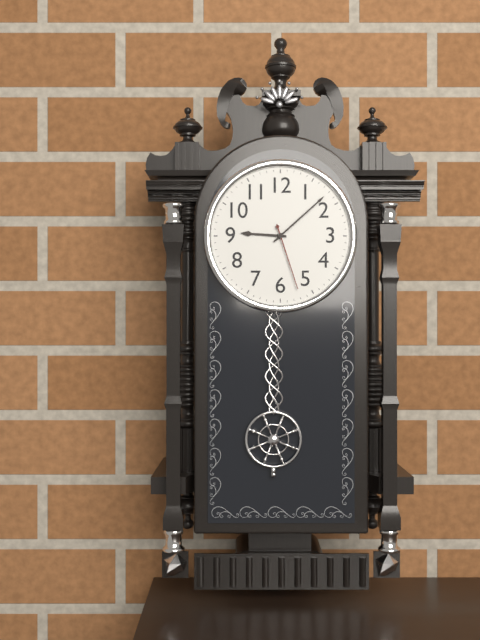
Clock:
9.08.27
